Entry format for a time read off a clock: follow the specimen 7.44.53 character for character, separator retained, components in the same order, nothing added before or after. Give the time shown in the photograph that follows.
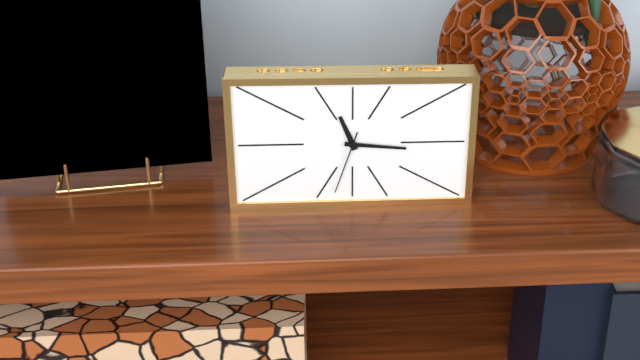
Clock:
11.16.33
